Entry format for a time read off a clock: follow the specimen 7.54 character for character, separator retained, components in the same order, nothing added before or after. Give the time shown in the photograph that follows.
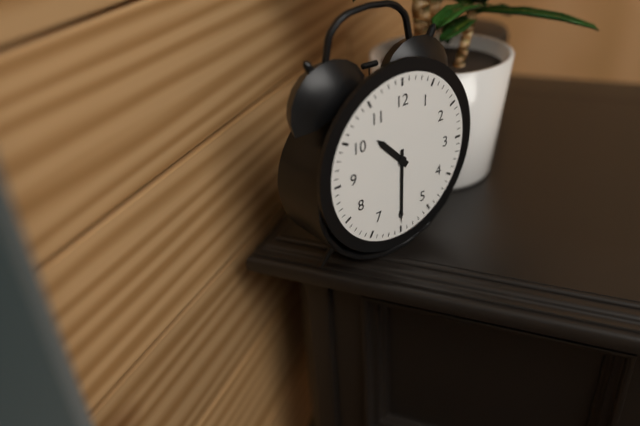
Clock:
10.30
